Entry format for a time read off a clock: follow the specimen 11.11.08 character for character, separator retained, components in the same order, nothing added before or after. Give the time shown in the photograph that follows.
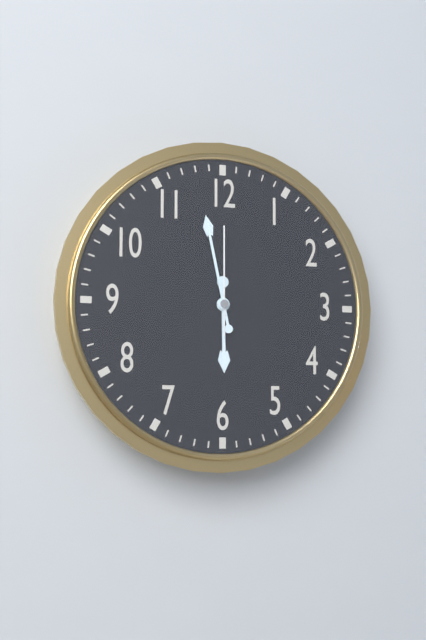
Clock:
5.58.00
